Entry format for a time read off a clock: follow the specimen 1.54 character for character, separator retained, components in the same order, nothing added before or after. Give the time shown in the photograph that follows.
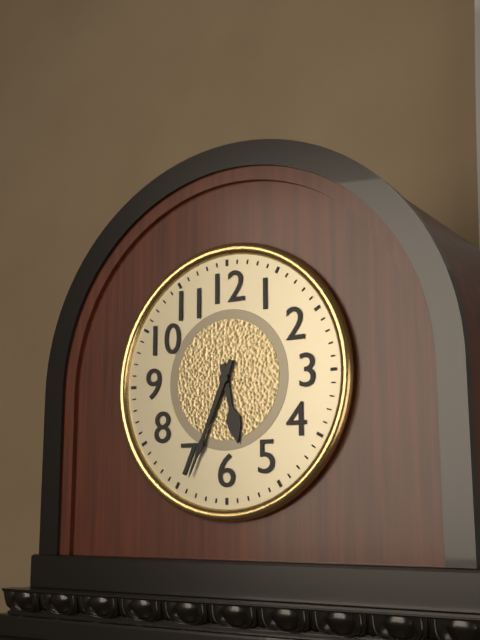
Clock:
5.34
